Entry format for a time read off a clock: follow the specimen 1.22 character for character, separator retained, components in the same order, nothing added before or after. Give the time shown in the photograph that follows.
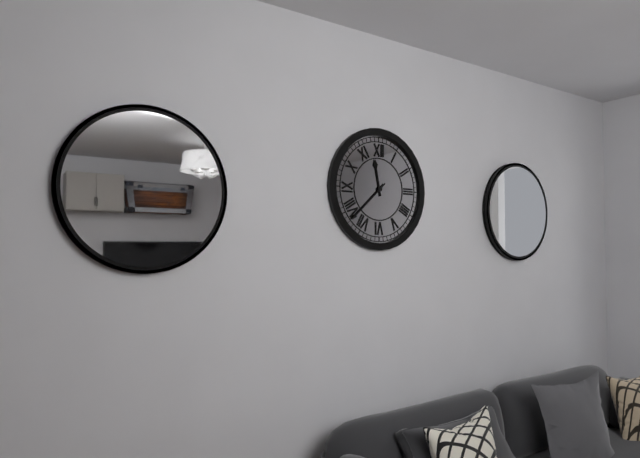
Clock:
11.38
